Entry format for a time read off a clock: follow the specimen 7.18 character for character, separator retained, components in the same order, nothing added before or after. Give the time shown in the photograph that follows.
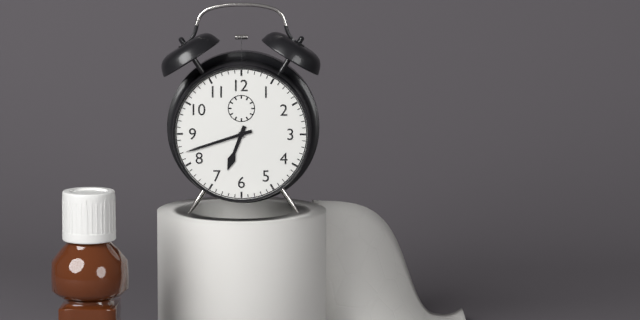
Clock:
6.42
